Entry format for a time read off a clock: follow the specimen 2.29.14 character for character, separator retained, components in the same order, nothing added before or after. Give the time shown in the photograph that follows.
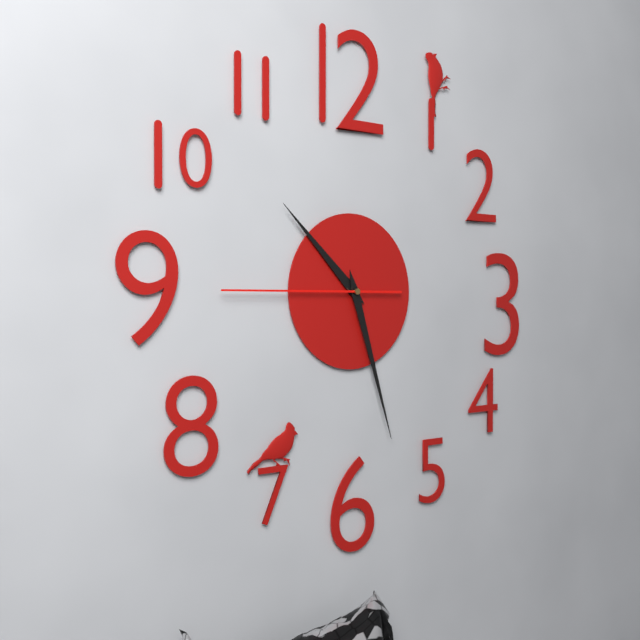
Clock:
10.27.45
